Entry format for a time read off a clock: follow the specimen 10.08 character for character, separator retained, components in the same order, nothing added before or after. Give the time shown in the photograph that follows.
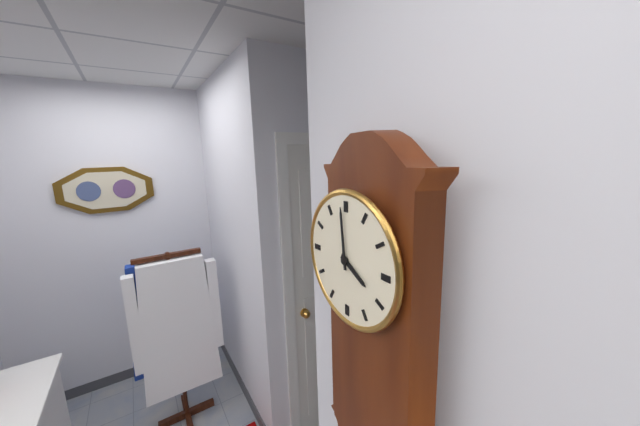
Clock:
3.59
